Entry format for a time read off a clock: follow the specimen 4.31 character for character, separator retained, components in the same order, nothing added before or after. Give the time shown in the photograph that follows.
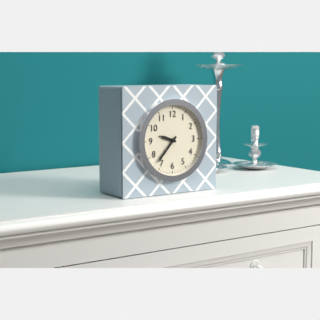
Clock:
9.37
